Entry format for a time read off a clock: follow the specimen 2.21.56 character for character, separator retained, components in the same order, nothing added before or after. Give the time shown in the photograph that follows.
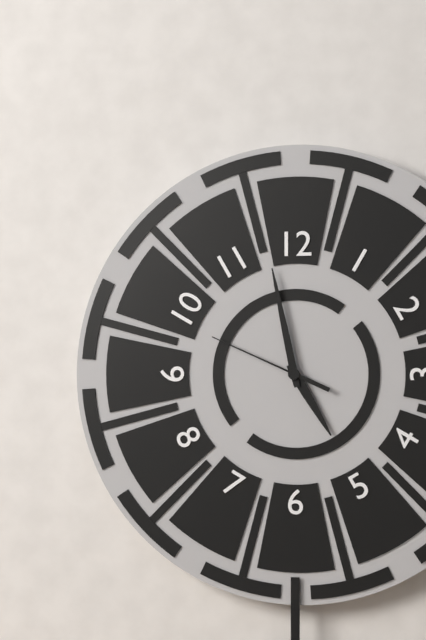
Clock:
4.58.49
